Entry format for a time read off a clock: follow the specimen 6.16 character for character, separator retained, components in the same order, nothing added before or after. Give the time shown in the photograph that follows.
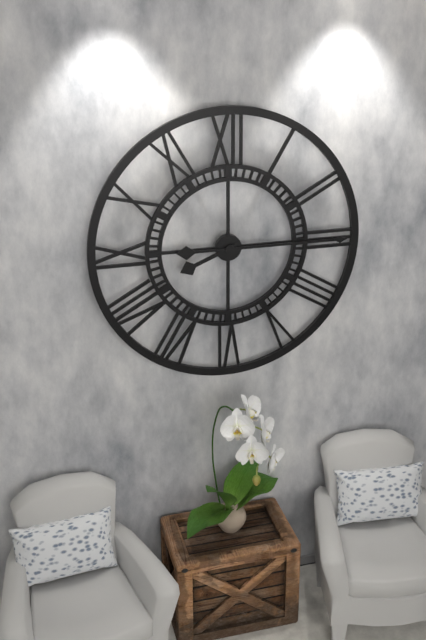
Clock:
8.15
